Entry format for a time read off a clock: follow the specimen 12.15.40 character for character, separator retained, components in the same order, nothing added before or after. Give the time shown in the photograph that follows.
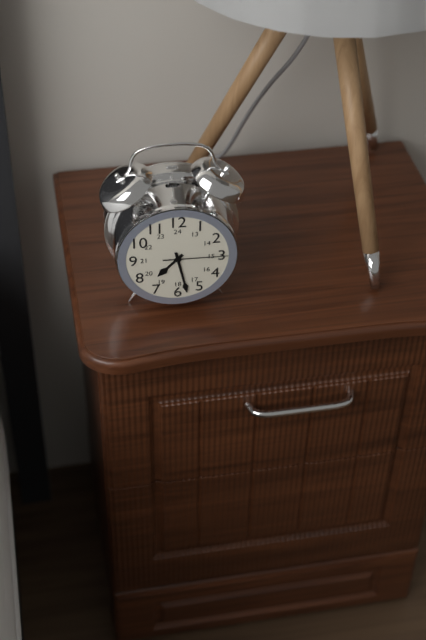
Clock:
7.28.15
